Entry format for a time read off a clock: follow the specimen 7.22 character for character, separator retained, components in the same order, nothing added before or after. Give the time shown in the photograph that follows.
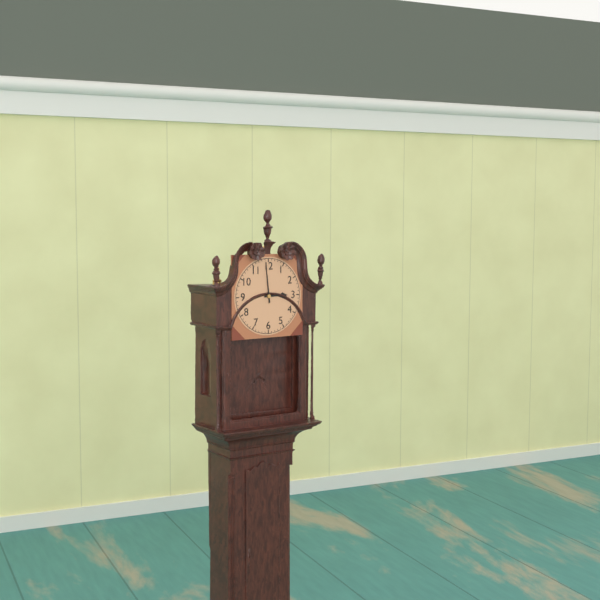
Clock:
2.59
